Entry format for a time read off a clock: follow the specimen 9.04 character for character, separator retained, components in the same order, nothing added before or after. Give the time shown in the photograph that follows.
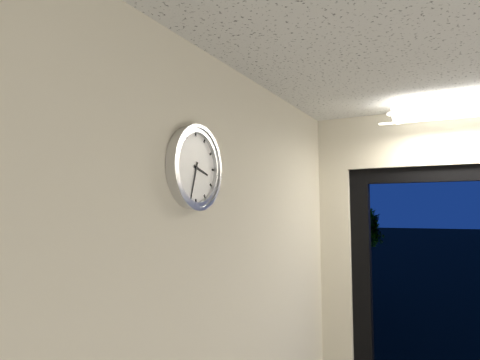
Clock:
3.33
